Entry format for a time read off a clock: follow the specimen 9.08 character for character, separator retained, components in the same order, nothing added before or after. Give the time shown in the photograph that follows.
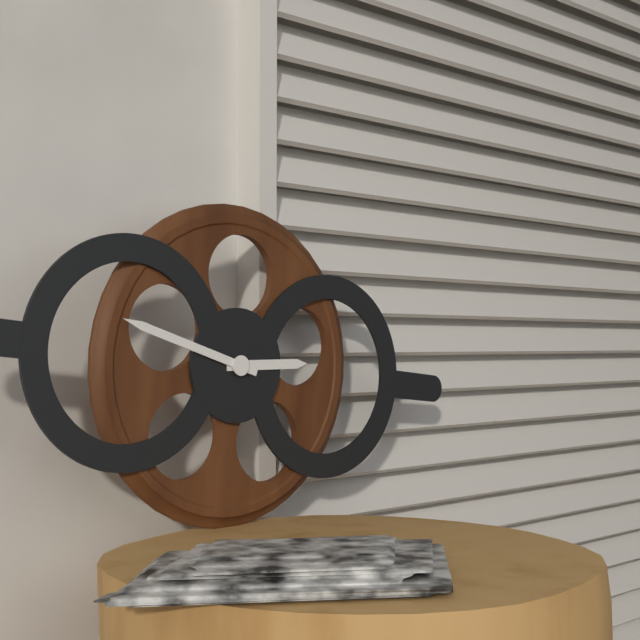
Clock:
2.47
